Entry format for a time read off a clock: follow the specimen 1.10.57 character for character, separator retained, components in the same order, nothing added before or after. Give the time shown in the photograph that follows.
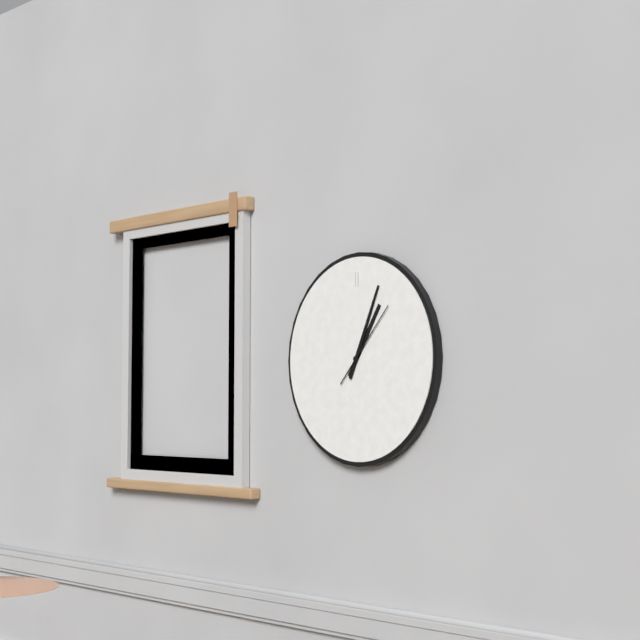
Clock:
1.04.07
